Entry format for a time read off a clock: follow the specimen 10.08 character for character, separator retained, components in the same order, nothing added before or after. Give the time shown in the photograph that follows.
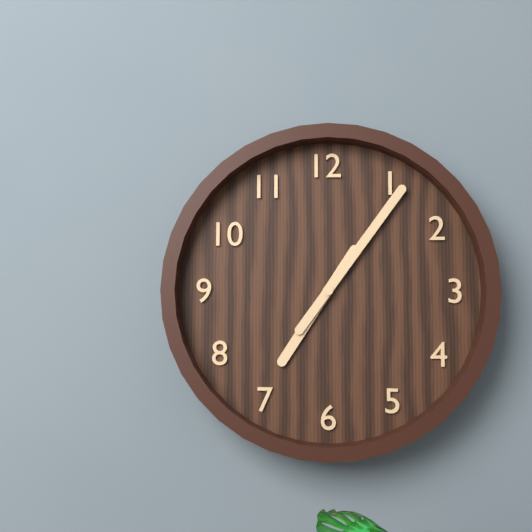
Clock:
7.06
